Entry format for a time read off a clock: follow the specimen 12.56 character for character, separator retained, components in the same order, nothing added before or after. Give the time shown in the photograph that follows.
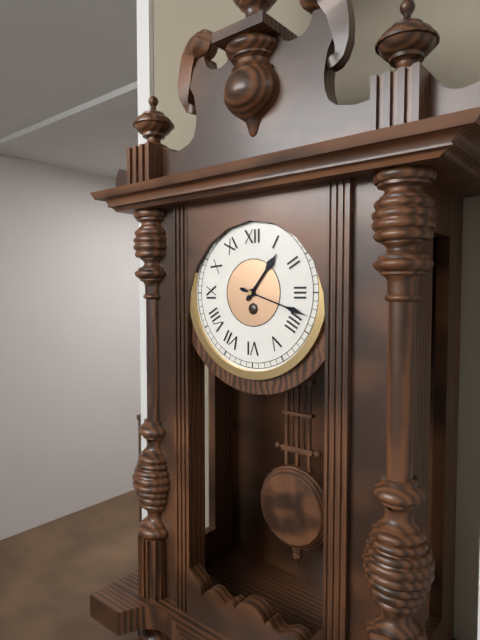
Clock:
1.18
